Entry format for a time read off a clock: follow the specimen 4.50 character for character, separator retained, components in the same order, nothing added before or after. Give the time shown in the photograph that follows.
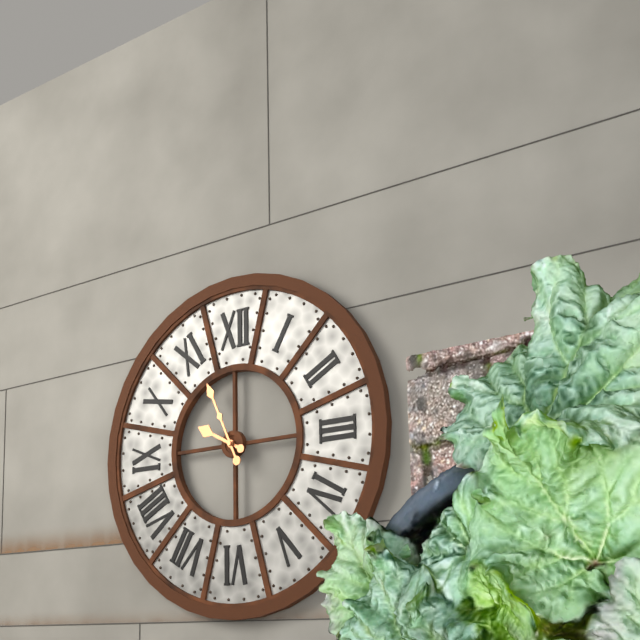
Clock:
9.56
